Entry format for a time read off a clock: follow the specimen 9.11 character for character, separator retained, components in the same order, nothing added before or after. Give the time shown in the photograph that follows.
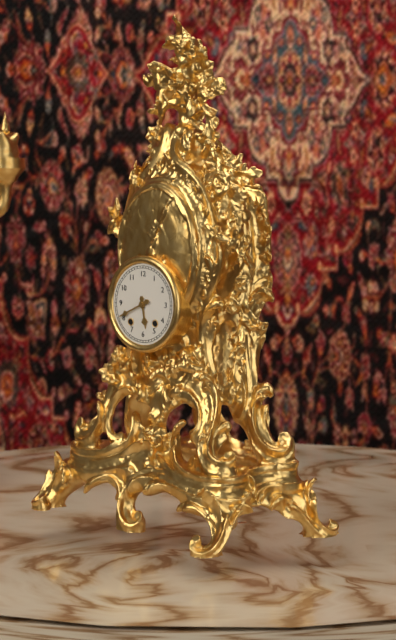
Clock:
5.41
